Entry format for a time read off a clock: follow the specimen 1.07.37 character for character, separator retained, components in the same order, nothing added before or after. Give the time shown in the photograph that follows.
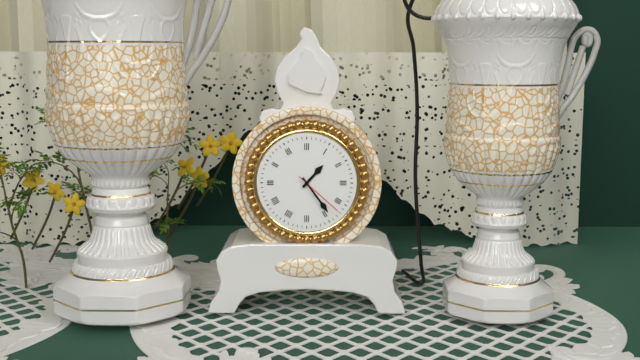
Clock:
1.24.22
